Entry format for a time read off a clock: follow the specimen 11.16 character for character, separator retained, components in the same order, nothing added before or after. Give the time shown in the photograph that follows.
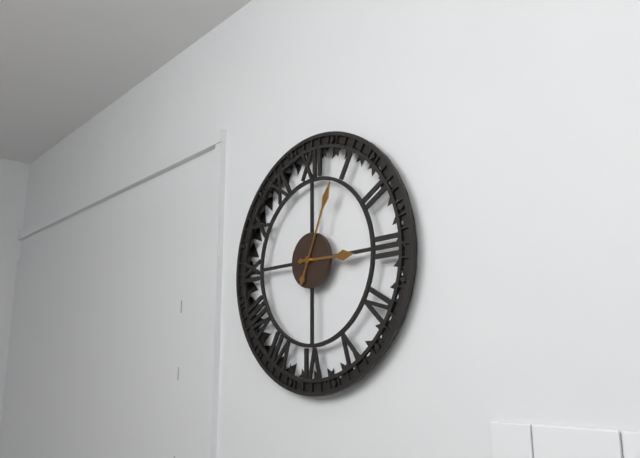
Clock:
3.04
